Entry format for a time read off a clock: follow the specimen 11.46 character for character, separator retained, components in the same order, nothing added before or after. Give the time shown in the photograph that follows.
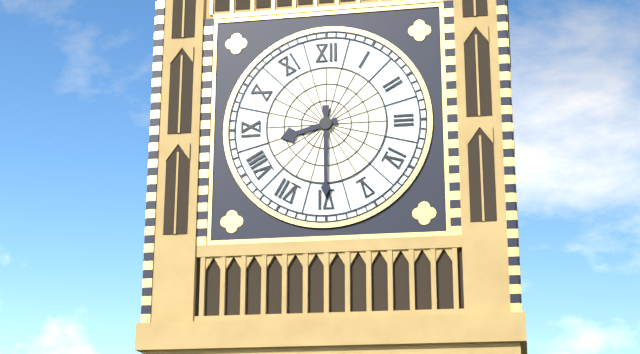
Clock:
8.30
